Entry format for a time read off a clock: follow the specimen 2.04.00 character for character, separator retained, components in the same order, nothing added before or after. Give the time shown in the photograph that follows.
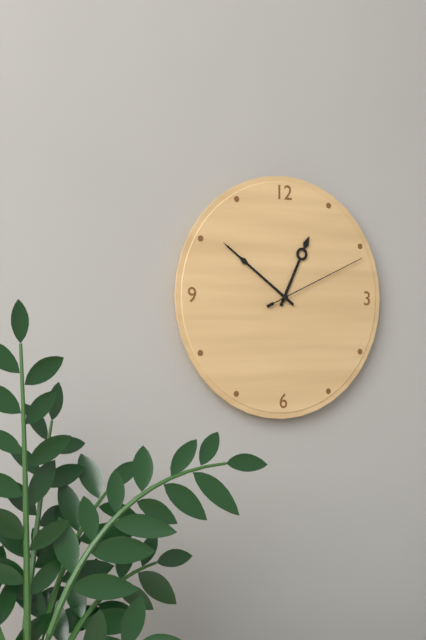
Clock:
12.51.11
